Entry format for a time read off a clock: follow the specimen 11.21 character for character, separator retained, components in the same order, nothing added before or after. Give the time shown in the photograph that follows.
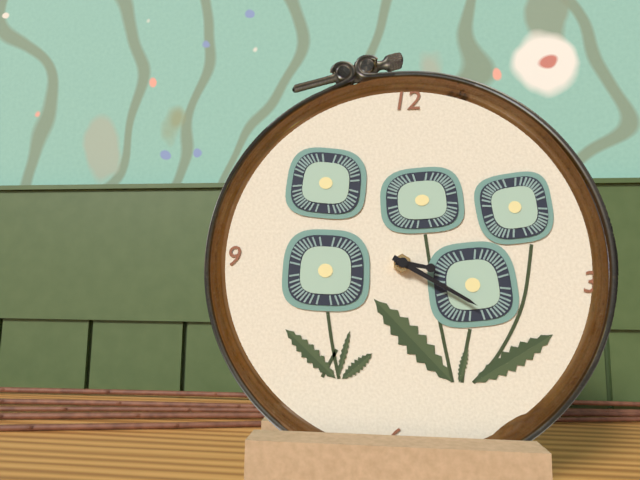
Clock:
3.20
